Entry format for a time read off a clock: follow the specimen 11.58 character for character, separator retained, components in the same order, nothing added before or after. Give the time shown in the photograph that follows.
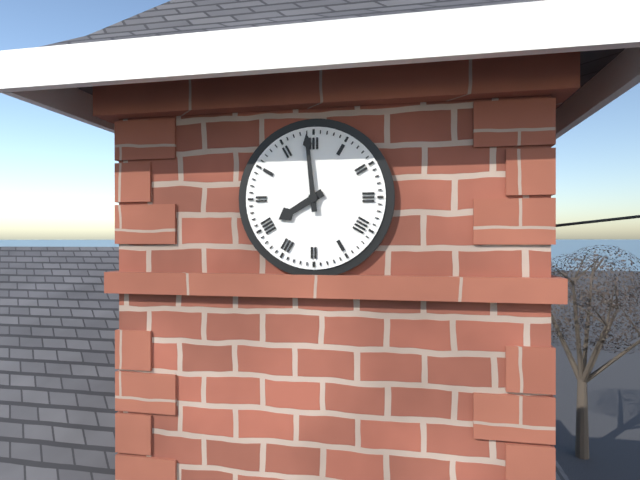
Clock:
7.59
